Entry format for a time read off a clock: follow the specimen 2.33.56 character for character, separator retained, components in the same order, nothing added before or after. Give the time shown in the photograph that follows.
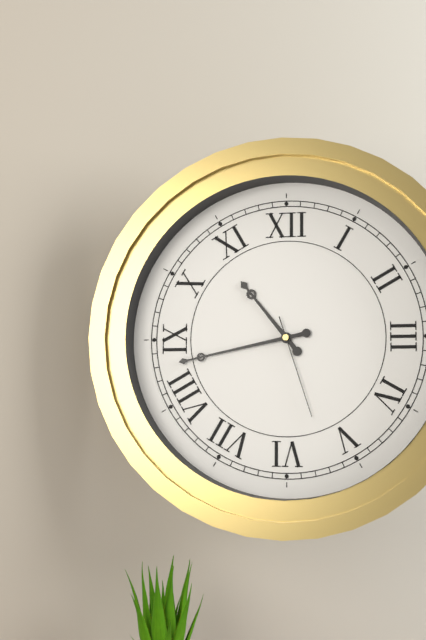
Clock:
10.43.27
